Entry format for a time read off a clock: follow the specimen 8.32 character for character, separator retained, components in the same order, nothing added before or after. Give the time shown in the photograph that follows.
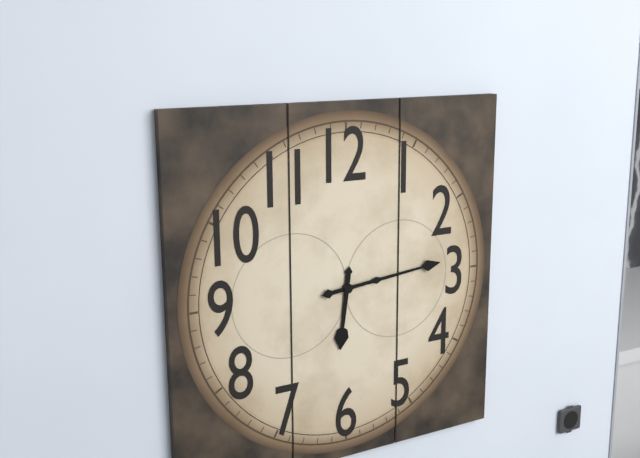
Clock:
6.14
